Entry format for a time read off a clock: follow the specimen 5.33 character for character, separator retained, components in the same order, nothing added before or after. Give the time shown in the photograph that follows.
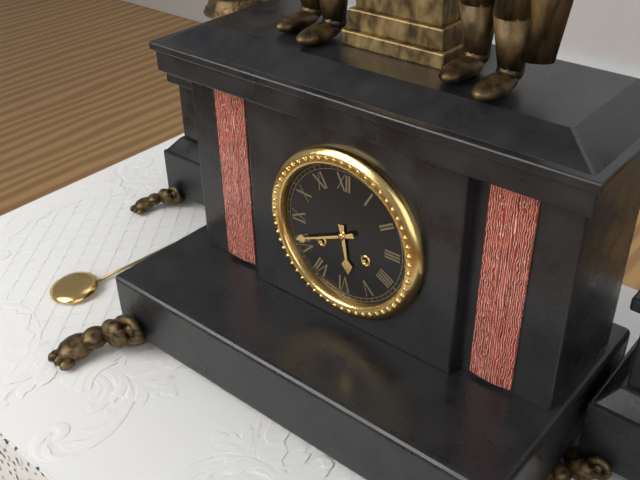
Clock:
5.41
